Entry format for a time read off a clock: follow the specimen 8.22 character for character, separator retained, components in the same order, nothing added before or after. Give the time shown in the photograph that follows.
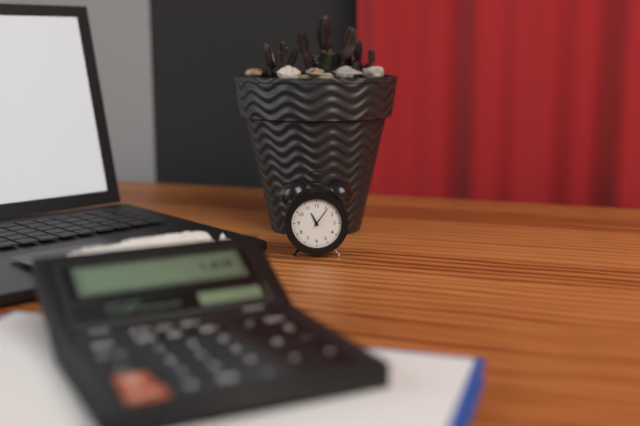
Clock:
11.06
